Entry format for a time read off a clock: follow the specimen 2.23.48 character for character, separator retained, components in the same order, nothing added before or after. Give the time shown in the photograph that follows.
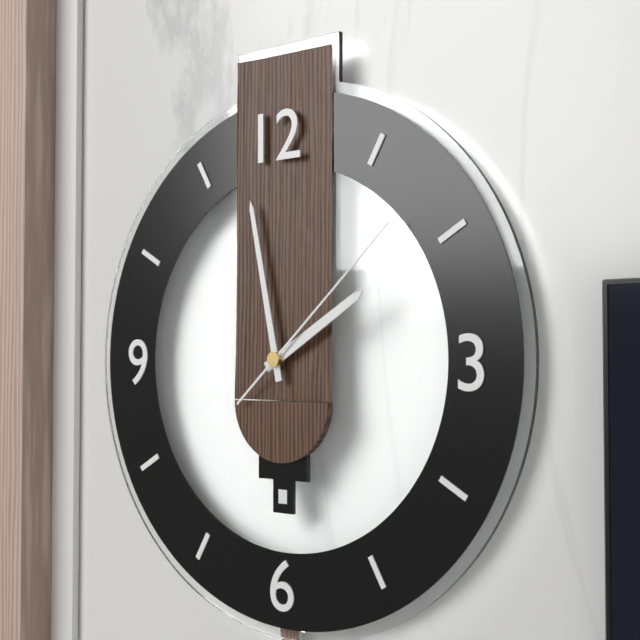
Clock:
1.58.08
